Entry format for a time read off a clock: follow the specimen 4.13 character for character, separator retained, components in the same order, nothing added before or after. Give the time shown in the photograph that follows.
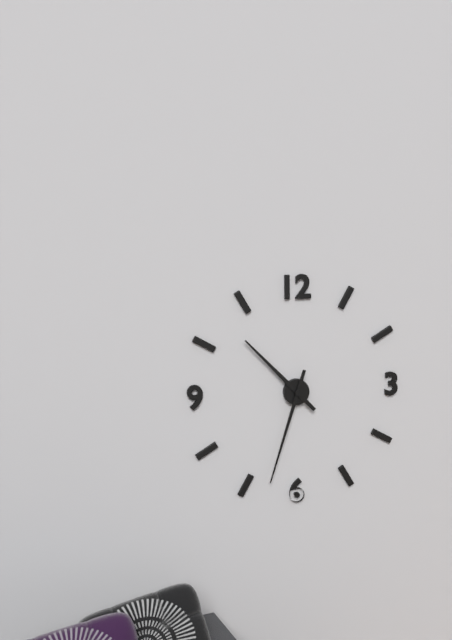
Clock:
10.33
